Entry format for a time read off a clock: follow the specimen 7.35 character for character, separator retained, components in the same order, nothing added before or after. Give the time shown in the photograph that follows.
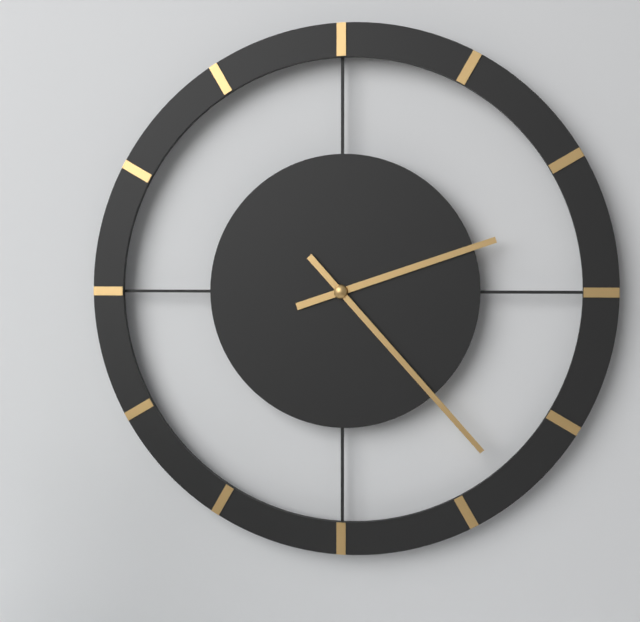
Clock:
2.23
